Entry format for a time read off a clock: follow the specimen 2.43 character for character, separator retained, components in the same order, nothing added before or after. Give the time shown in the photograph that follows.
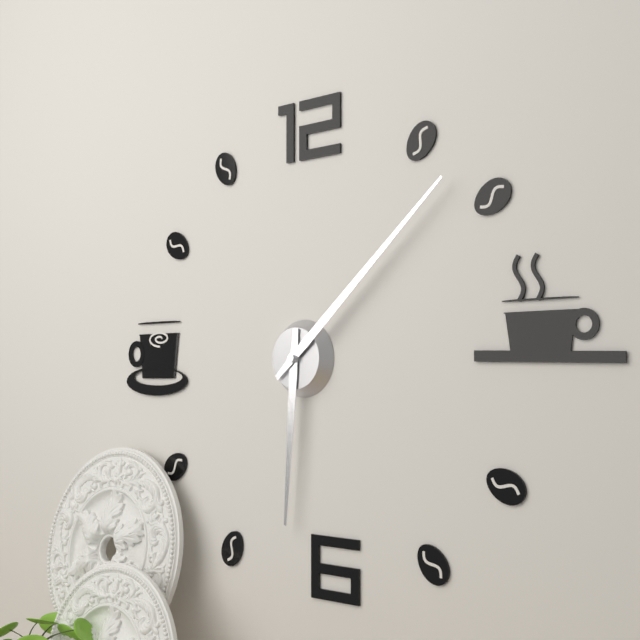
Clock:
6.08
